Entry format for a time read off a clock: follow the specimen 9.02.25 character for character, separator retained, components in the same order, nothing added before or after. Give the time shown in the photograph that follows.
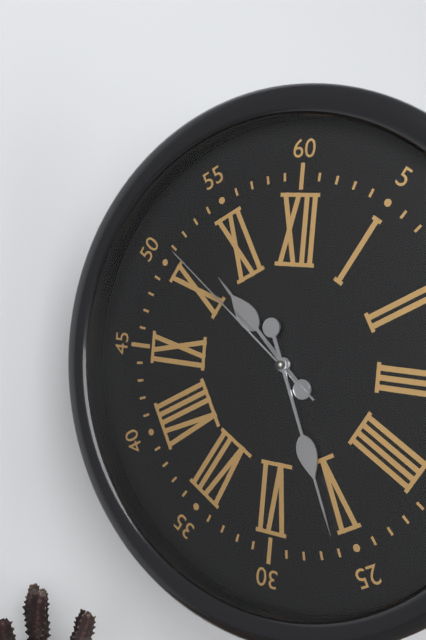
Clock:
10.26.51
